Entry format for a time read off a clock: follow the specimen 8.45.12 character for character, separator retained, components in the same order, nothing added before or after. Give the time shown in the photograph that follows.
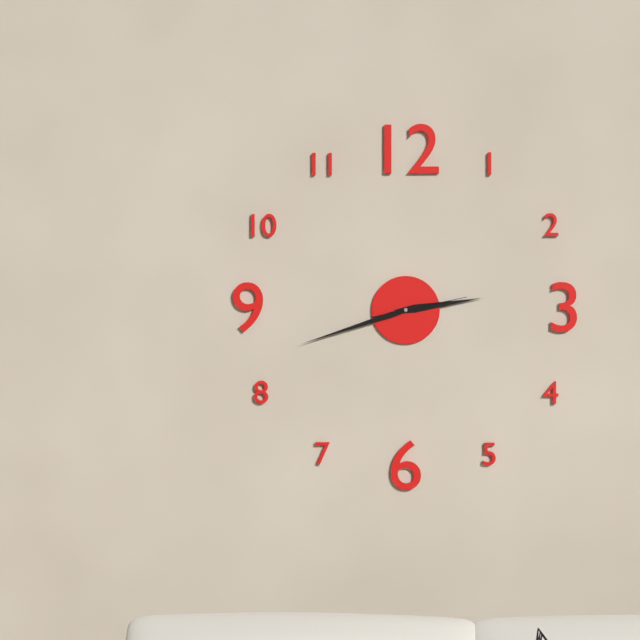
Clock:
2.42.13
